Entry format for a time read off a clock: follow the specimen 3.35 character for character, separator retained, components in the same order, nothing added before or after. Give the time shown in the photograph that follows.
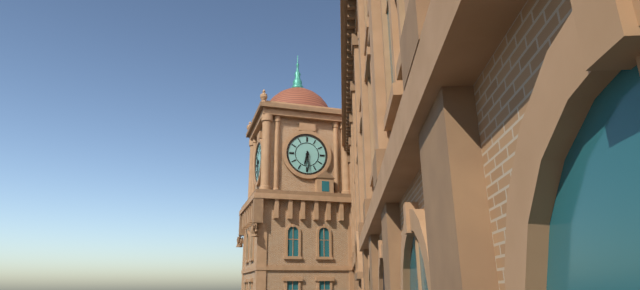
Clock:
6.29
